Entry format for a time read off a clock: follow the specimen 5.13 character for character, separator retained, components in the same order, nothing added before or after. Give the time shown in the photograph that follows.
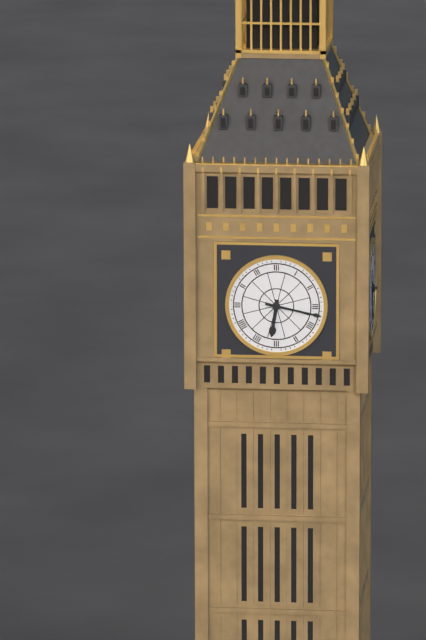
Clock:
6.17
